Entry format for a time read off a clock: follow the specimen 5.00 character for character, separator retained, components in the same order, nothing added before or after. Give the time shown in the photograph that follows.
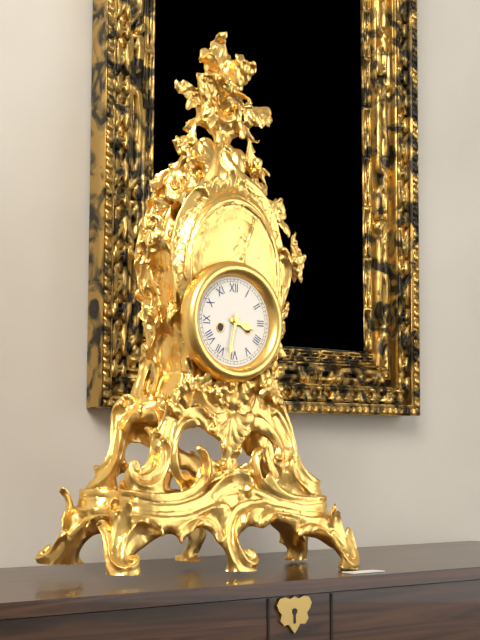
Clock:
3.32
